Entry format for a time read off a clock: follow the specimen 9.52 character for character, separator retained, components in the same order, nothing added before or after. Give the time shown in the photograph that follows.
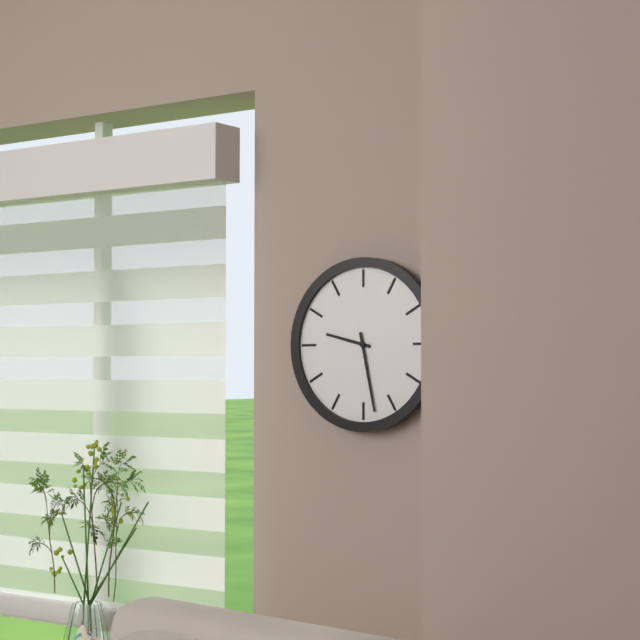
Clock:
9.28
